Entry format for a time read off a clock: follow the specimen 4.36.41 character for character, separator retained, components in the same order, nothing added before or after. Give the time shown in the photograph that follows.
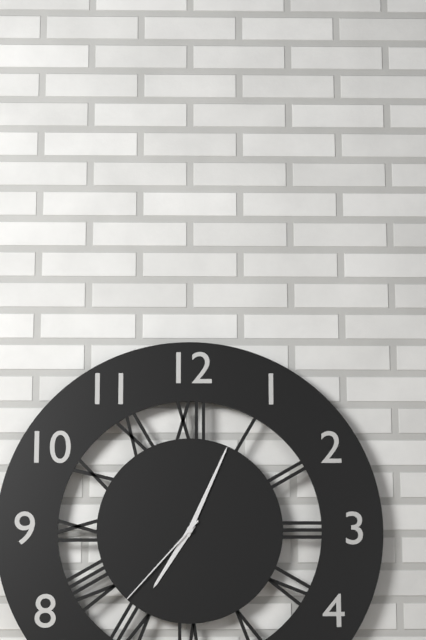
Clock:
7.04.37
